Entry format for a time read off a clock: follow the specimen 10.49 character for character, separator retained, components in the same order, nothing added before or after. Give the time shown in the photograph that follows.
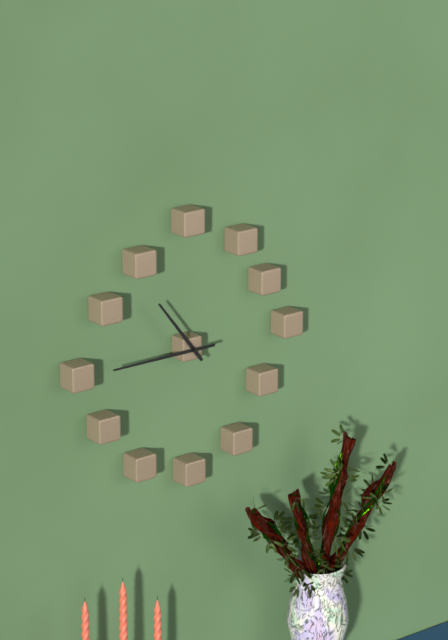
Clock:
10.45
